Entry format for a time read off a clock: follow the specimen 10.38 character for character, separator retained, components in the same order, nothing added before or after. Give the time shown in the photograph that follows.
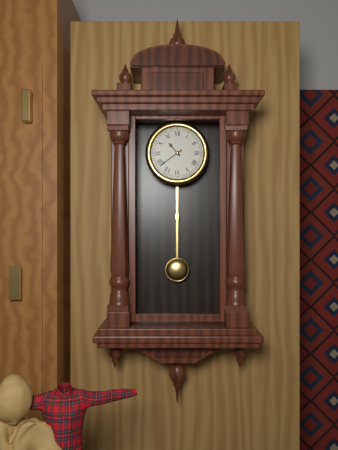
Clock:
10.39
